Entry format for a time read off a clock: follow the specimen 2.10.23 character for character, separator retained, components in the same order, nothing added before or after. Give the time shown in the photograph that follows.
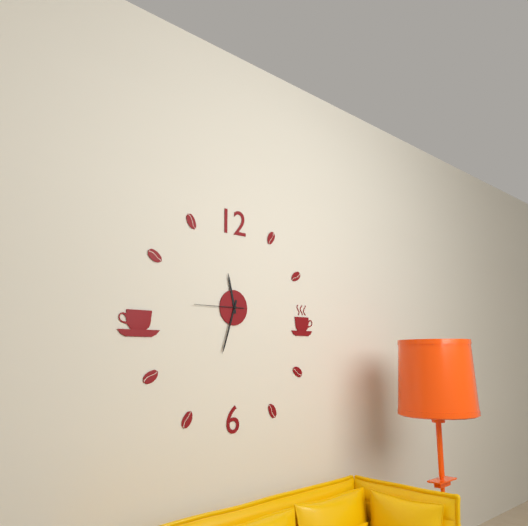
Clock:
11.33.45
